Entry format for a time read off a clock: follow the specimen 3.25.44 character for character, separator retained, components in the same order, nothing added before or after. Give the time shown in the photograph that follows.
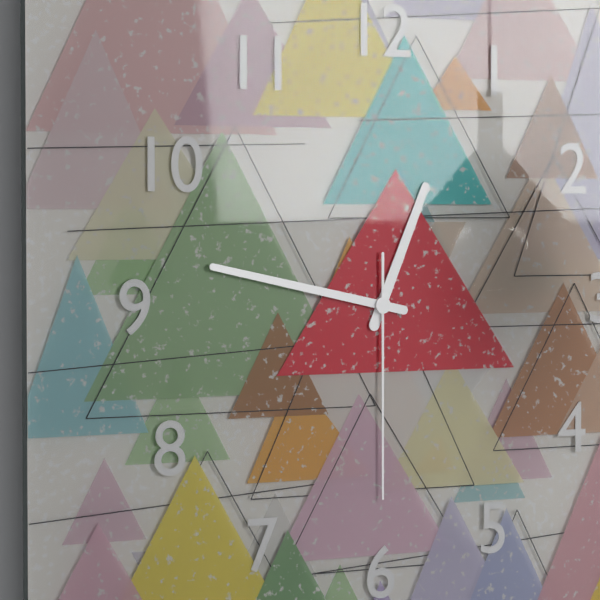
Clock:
12.47.30
